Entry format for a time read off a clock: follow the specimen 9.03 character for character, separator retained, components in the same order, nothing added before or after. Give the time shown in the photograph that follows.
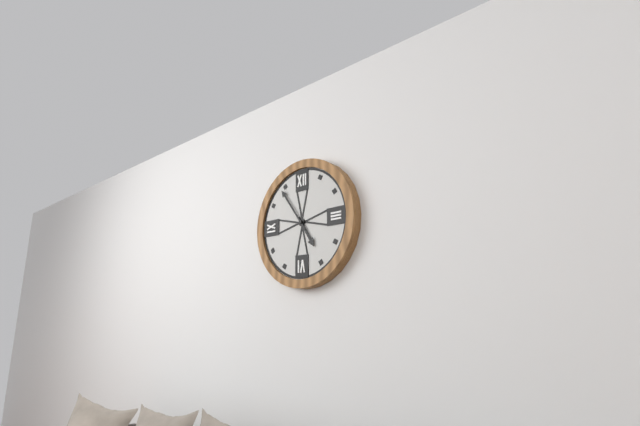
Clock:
4.54
